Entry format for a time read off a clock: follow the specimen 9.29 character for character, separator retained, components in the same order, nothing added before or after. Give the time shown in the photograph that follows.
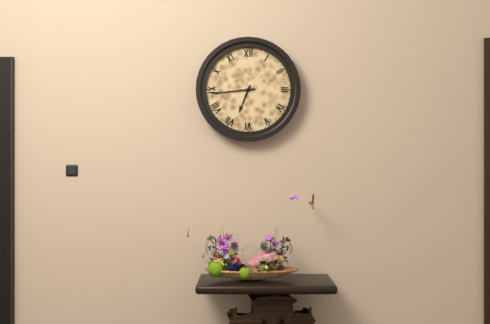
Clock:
6.44
